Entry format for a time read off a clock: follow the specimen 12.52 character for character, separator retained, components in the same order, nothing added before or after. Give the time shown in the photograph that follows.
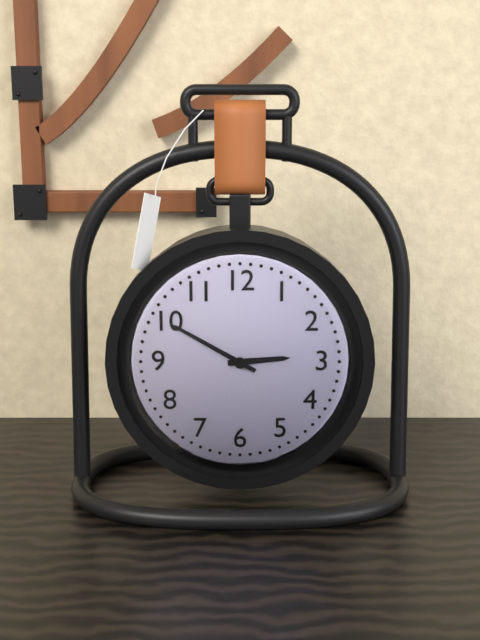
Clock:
2.50
